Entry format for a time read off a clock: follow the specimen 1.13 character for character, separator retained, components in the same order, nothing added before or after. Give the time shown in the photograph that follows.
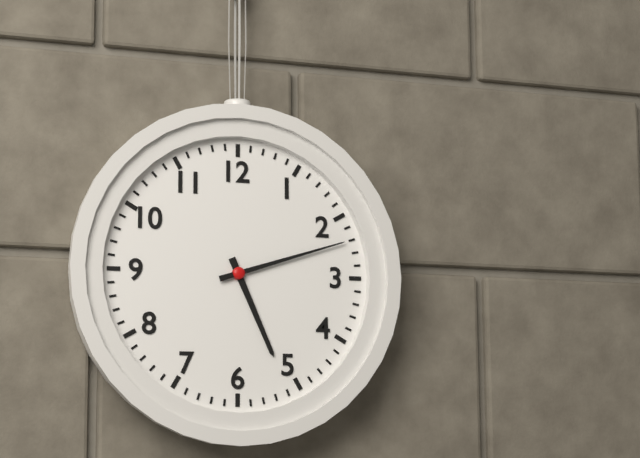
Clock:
5.12
